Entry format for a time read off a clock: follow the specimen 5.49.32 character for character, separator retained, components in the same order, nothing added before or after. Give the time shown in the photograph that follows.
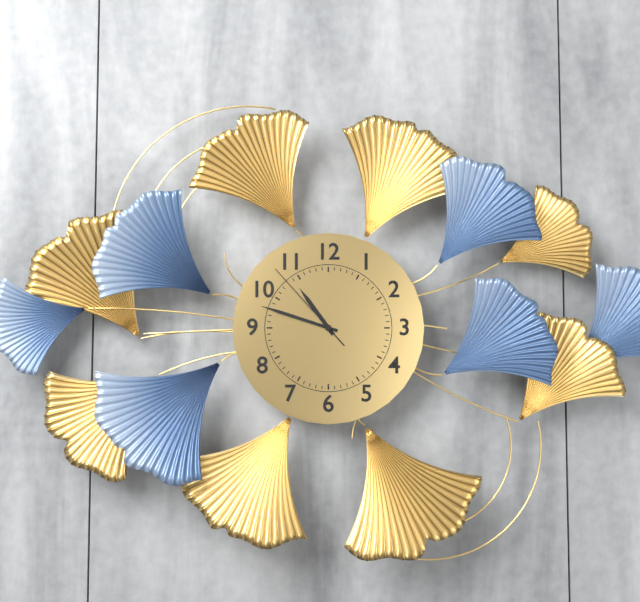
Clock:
10.48.53
